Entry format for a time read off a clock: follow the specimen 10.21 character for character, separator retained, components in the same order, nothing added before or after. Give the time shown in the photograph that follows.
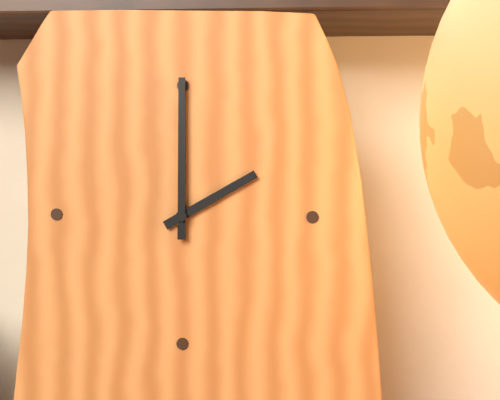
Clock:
2.00
